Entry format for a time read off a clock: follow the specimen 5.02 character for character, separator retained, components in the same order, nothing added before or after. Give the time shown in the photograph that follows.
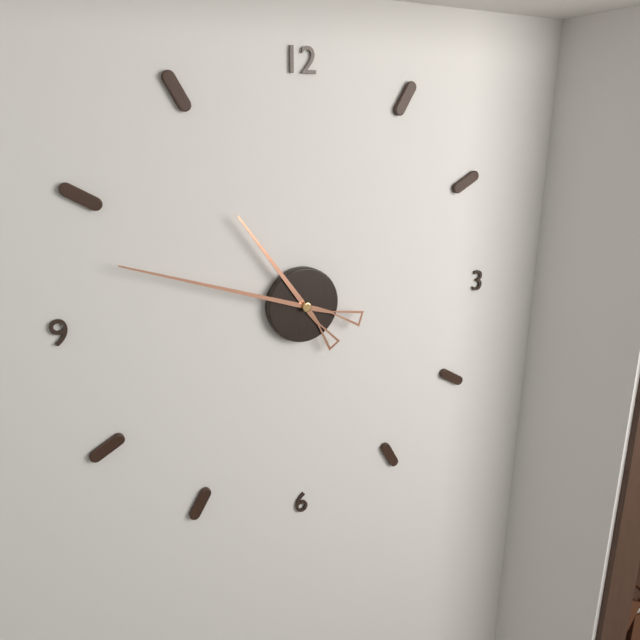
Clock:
10.48
